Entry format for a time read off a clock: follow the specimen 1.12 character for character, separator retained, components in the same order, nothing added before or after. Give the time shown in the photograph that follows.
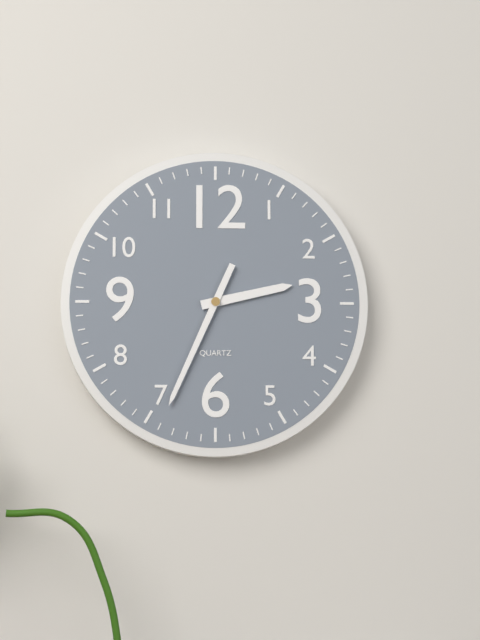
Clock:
2.34
